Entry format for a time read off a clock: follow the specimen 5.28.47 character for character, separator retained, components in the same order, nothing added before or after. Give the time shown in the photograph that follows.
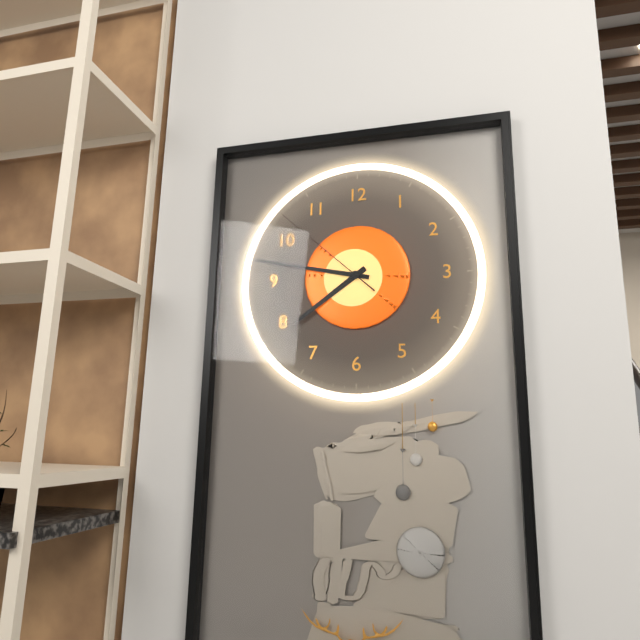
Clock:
7.47.52
